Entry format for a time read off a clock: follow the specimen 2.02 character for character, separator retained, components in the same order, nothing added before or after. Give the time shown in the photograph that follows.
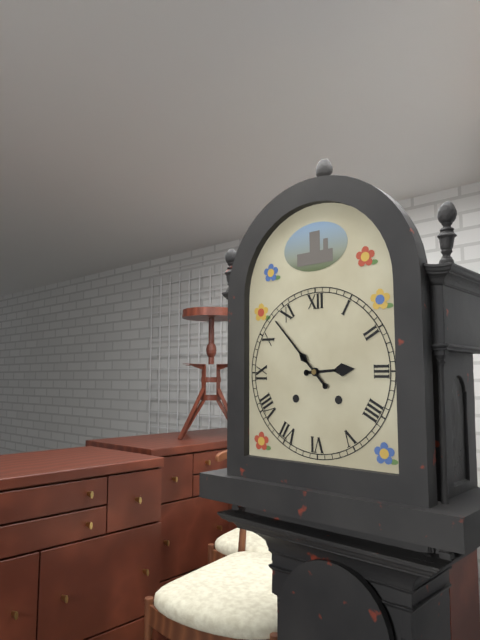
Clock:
2.53
